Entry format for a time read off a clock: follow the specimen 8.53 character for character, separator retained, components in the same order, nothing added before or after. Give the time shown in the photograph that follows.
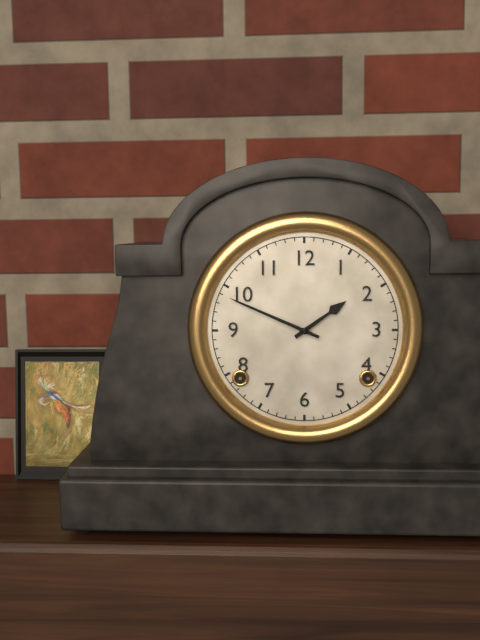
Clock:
1.49
